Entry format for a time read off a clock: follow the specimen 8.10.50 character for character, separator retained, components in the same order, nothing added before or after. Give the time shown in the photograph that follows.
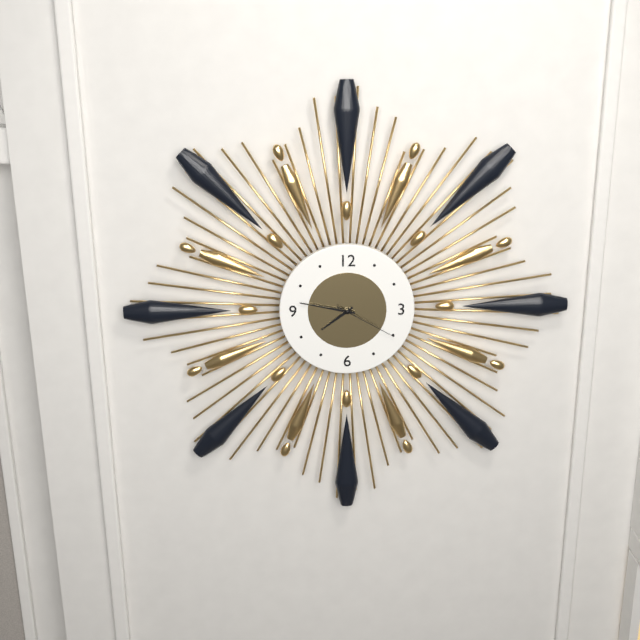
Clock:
7.47.20
